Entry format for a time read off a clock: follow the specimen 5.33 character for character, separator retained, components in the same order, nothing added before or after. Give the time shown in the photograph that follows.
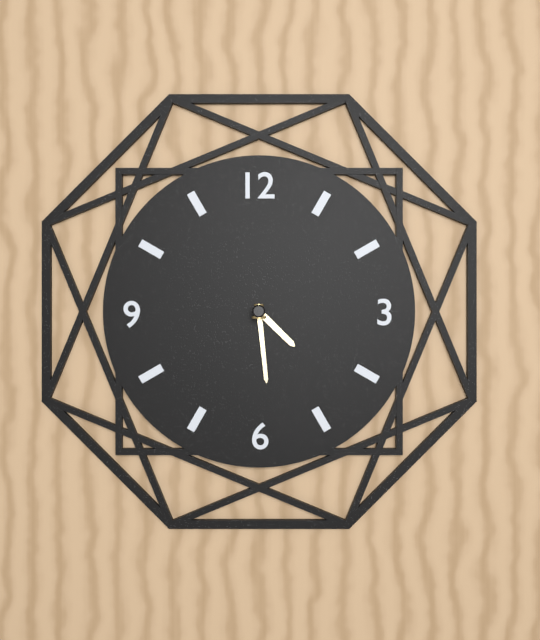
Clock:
4.29
